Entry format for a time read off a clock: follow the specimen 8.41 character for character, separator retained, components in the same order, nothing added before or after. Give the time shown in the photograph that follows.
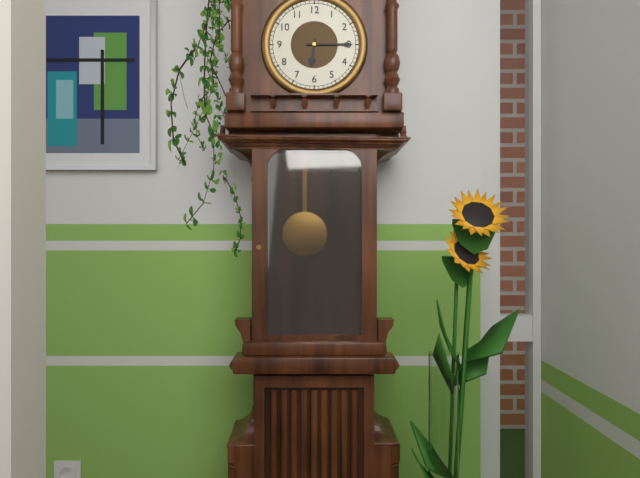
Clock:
6.15
